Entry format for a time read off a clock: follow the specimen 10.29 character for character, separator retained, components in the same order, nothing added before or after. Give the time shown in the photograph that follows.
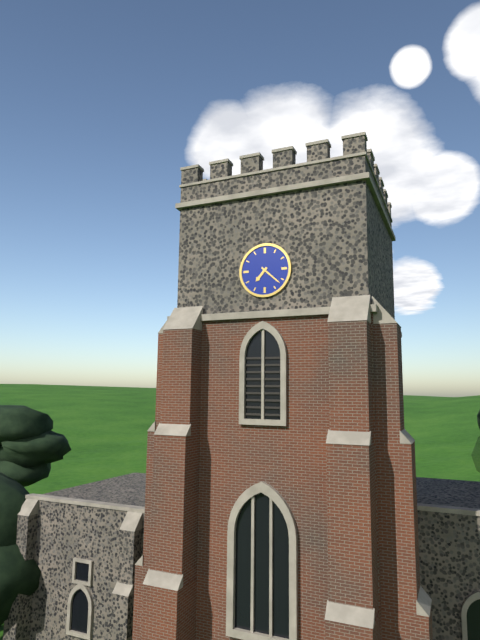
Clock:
7.22
